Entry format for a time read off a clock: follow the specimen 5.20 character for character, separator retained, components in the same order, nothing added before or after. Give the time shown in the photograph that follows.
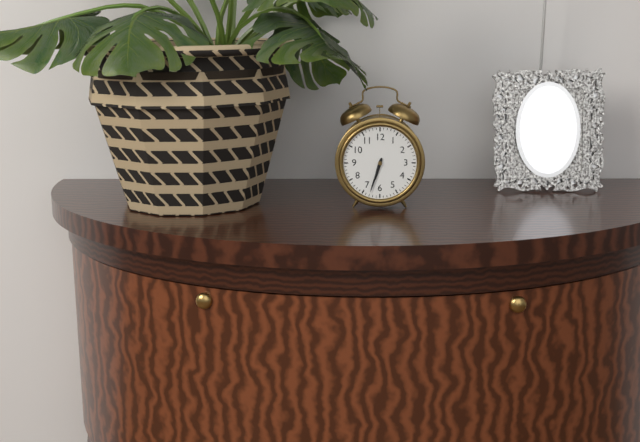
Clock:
6.33
